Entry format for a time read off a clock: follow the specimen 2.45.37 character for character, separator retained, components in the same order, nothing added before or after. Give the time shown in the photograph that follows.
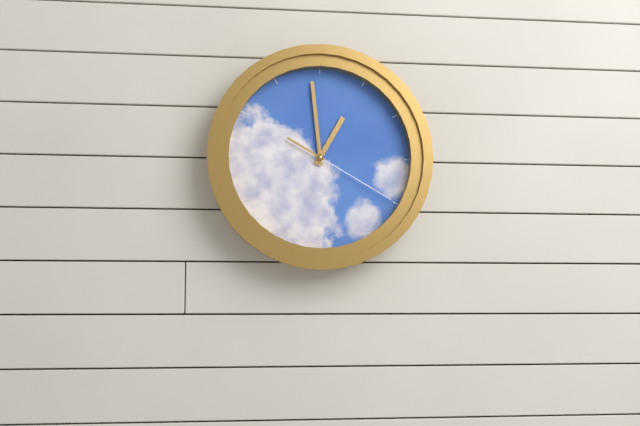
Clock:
12.59.20
